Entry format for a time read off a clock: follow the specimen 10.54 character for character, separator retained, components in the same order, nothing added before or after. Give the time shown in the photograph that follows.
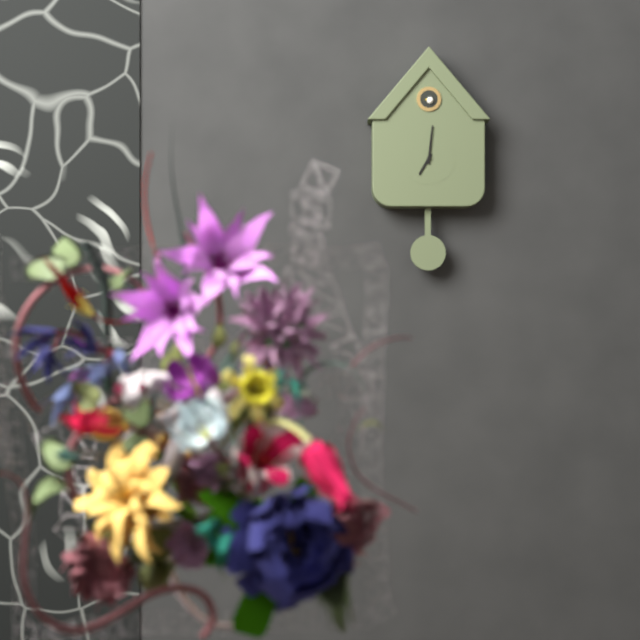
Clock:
7.01
